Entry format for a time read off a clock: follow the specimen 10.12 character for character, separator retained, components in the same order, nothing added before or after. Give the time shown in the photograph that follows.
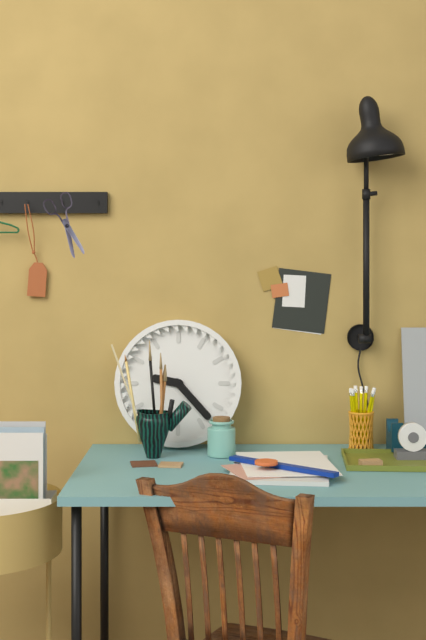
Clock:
9.23
